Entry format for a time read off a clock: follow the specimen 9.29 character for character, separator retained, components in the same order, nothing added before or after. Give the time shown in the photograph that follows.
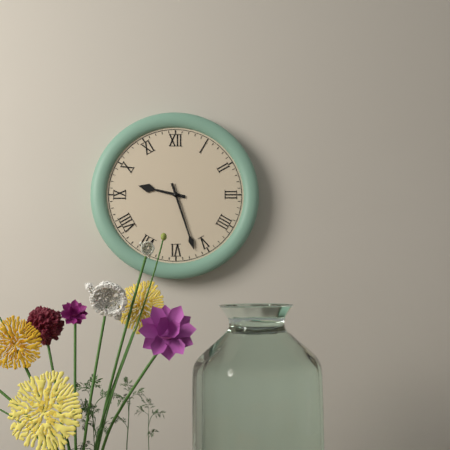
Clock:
9.27
